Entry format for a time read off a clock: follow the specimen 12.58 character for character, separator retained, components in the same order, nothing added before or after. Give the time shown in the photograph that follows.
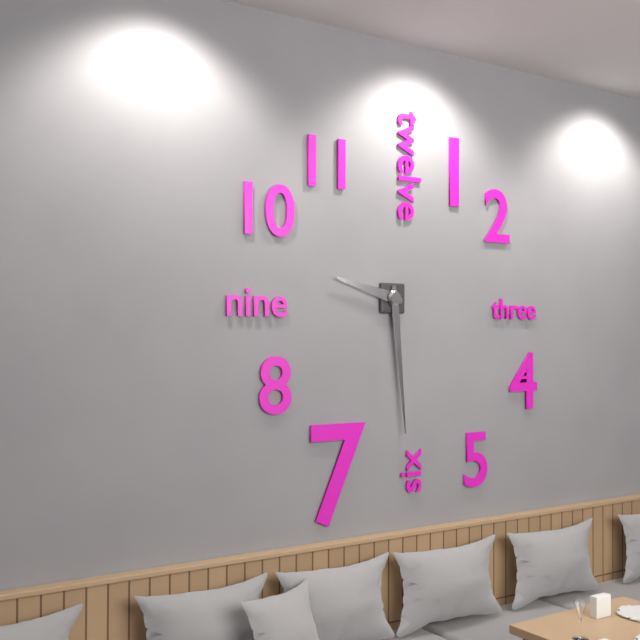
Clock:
9.29
